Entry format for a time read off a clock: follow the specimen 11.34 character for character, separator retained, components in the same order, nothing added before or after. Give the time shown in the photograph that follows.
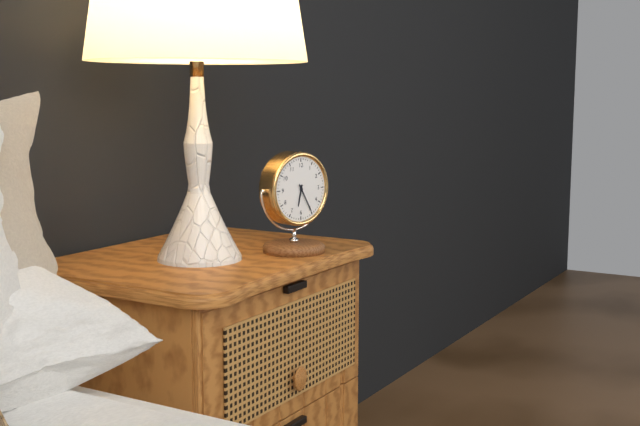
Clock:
6.25
